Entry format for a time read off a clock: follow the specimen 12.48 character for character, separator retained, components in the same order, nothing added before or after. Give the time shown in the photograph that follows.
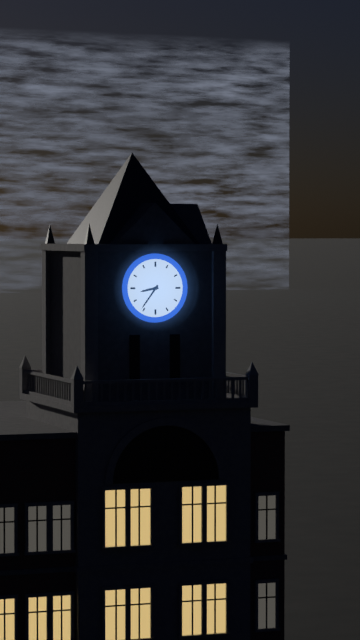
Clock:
8.36
